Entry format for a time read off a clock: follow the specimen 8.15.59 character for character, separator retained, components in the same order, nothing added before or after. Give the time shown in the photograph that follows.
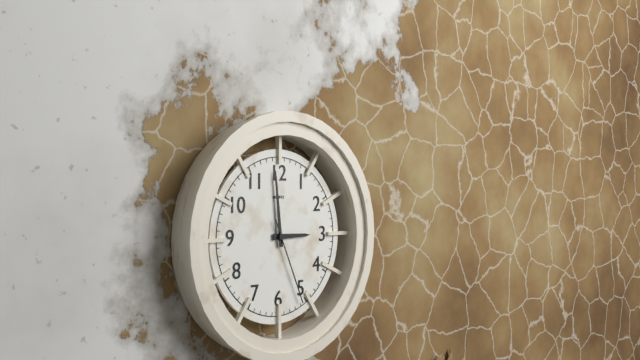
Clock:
2.59.26
